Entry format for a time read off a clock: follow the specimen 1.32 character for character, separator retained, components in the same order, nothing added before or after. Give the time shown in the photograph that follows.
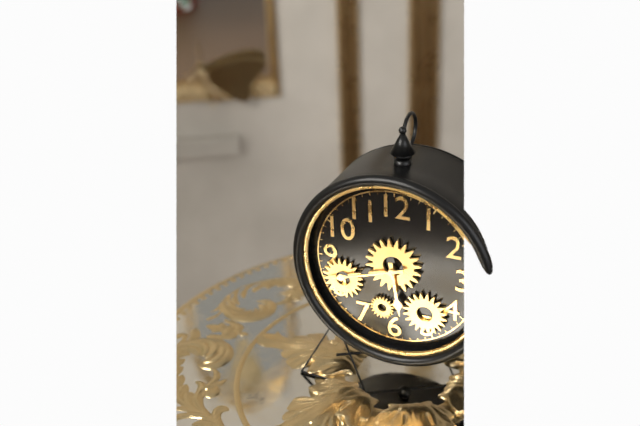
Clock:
5.42
